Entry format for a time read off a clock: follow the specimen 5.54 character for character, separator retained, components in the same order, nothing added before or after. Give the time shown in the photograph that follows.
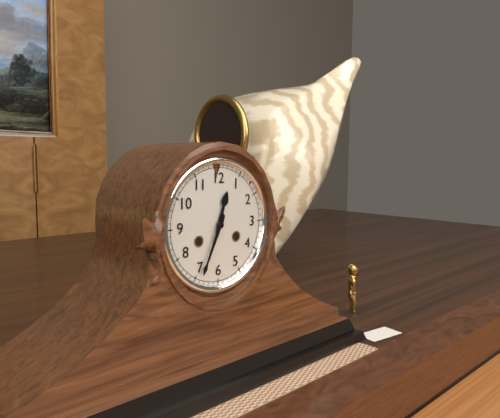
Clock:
12.34
